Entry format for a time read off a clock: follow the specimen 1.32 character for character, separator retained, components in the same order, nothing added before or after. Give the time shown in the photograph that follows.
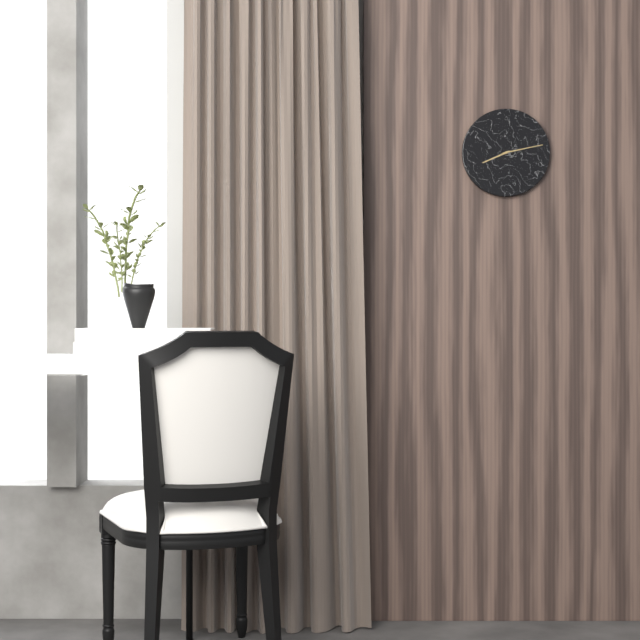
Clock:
8.13
